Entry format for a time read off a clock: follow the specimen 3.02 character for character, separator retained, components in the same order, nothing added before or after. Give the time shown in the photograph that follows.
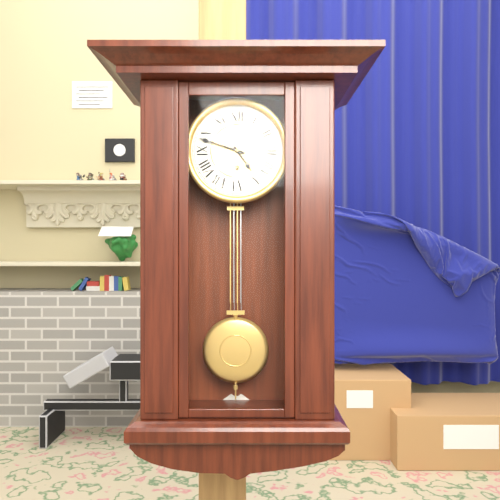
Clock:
4.48
